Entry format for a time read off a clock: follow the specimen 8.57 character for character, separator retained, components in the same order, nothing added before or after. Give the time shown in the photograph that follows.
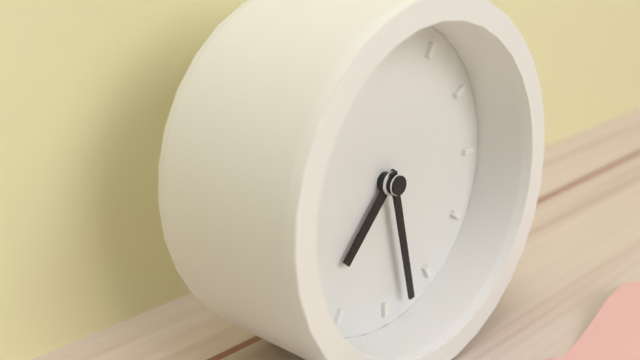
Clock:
7.28
